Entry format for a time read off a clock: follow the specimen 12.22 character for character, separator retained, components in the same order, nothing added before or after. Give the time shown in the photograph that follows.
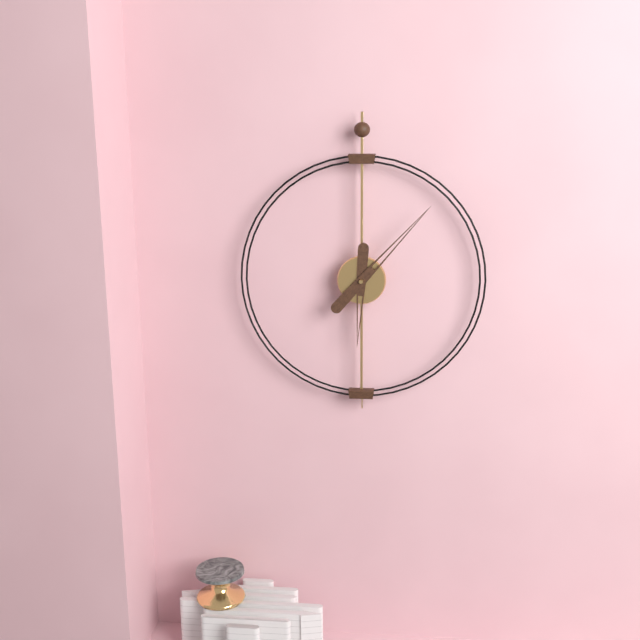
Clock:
6.07
